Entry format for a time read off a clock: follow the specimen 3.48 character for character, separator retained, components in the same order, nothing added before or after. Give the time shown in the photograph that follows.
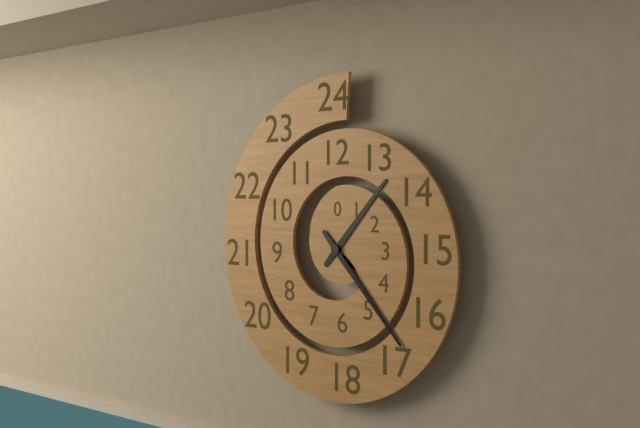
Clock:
1.23
